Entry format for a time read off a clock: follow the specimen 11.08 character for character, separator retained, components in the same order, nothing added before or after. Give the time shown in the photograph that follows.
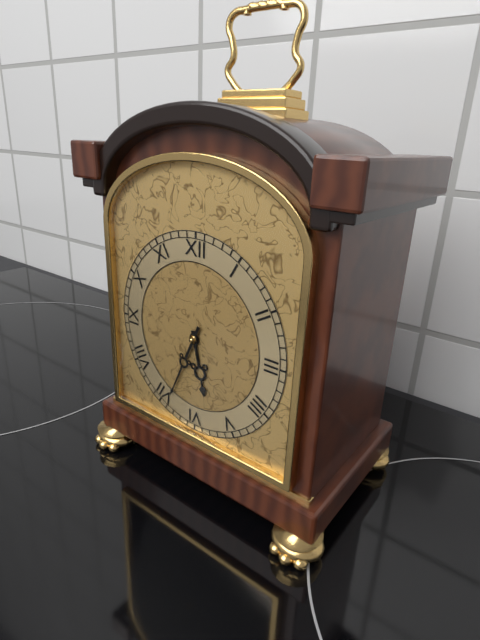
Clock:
5.34
